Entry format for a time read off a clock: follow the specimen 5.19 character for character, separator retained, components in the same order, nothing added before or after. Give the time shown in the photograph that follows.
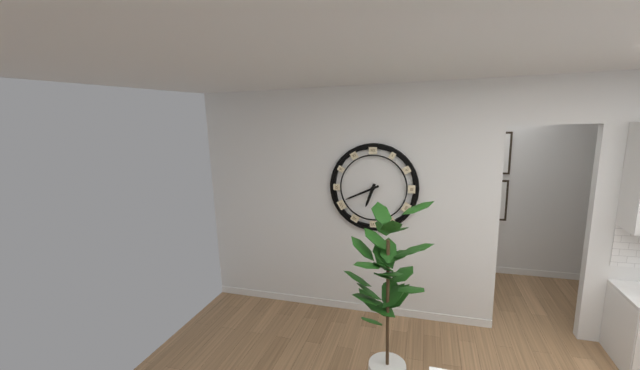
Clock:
6.41
